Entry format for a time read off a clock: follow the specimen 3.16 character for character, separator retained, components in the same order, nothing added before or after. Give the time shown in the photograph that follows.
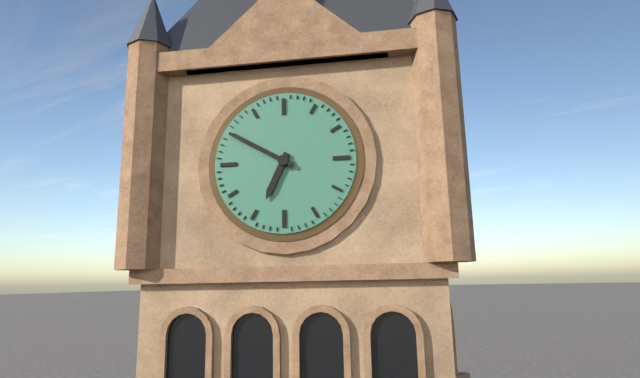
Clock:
6.50
